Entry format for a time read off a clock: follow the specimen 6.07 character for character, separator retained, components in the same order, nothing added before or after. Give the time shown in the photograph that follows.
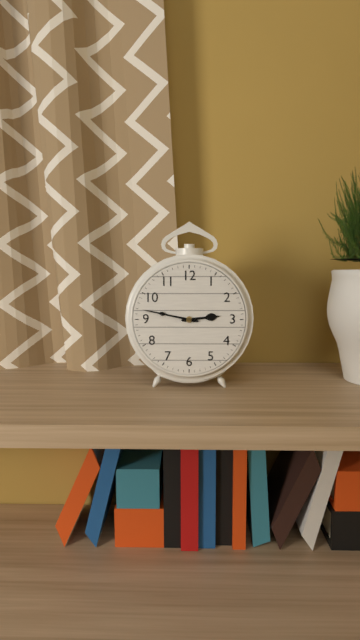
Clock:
2.47
